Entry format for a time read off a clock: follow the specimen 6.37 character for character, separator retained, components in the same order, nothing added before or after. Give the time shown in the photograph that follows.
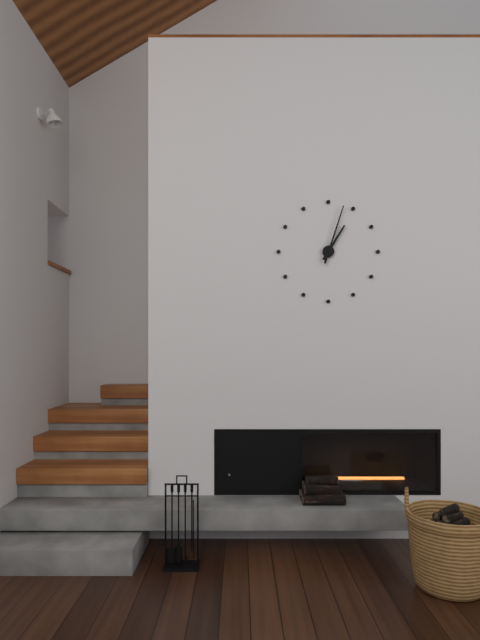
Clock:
1.03
